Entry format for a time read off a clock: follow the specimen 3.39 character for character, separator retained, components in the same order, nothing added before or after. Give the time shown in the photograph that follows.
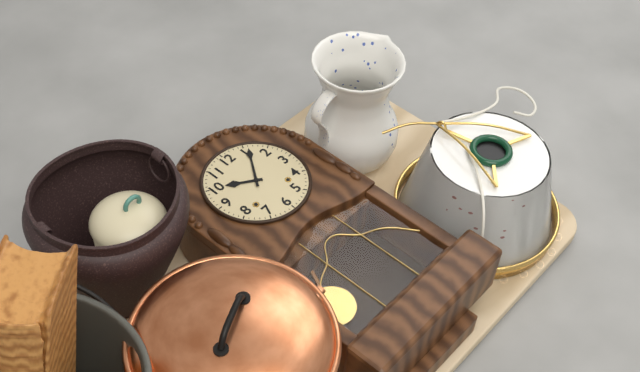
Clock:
10.06
